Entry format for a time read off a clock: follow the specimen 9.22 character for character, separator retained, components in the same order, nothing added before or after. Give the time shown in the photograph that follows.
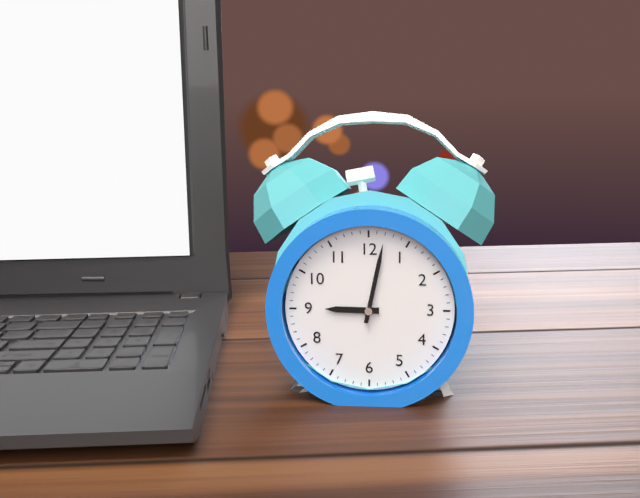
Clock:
9.02
